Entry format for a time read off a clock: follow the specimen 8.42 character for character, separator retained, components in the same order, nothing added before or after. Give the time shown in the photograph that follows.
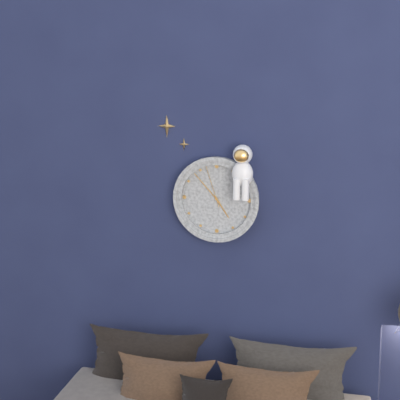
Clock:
4.53
